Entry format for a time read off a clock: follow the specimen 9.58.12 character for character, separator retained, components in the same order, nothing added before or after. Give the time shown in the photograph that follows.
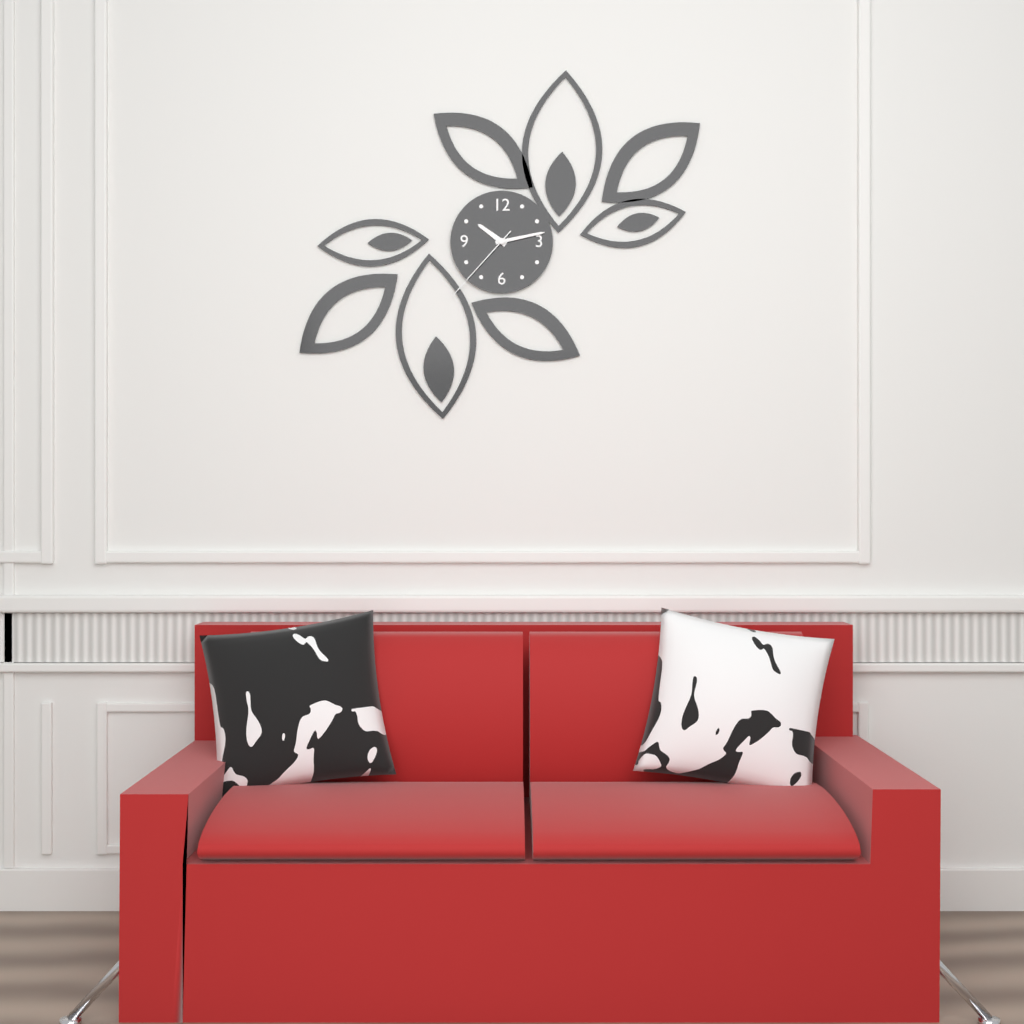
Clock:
10.13.37
